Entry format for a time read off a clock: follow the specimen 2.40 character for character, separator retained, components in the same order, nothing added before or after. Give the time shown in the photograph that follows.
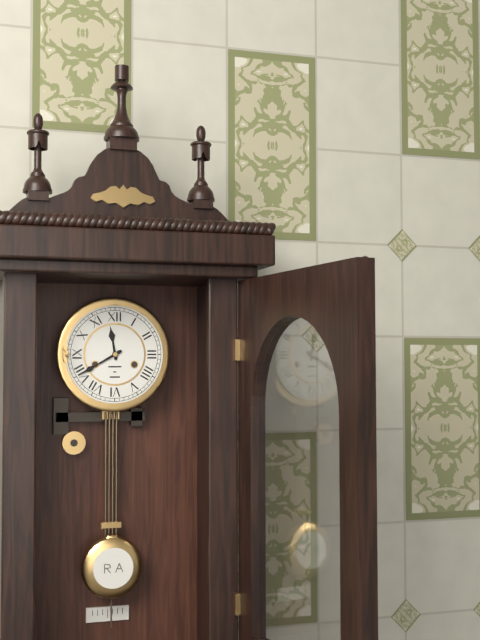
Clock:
11.40
